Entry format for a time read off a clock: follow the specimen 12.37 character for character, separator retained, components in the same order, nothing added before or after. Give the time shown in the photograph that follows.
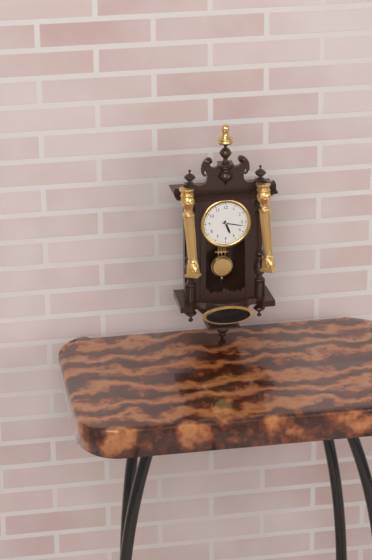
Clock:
5.17
